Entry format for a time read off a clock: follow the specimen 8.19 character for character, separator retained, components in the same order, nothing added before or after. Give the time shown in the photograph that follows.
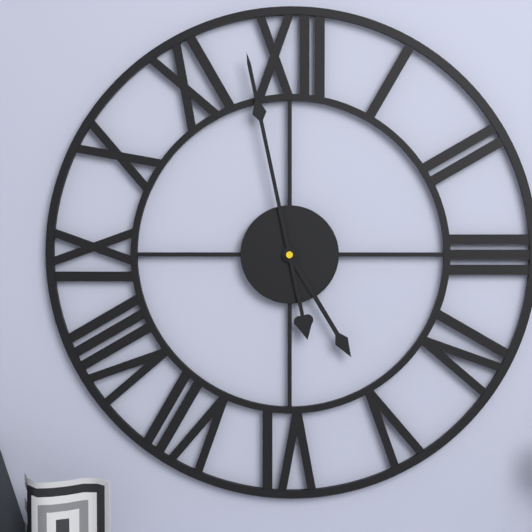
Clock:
4.58
